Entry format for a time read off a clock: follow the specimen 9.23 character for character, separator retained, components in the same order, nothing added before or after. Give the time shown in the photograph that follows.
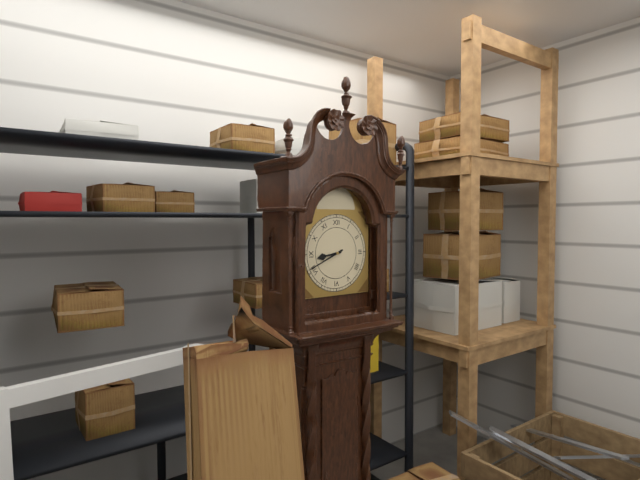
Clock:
8.41
